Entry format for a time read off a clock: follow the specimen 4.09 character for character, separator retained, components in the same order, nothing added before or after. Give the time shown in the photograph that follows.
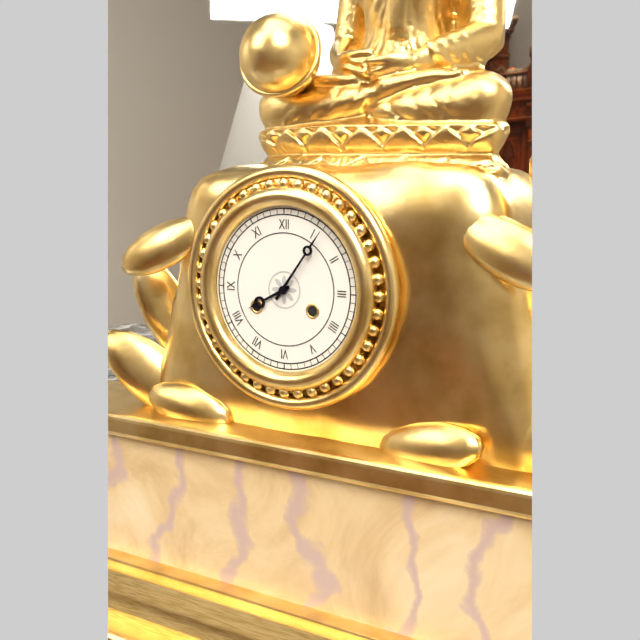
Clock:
8.06
